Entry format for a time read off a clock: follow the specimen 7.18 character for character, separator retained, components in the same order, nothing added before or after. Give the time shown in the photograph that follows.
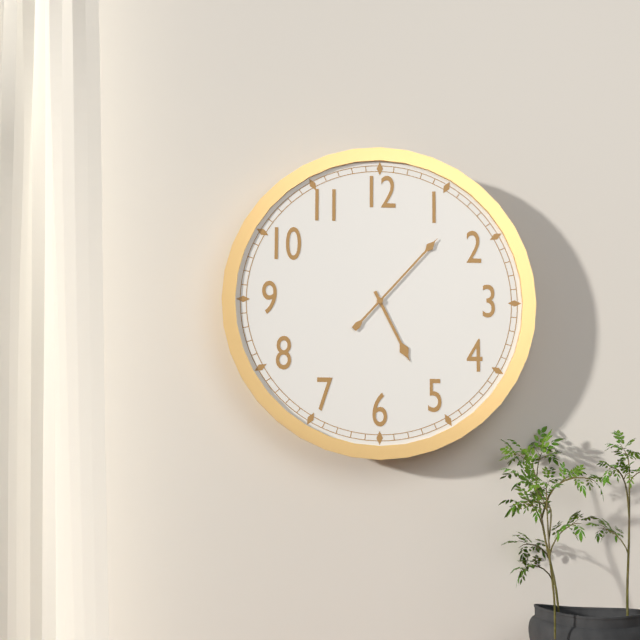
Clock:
5.07
